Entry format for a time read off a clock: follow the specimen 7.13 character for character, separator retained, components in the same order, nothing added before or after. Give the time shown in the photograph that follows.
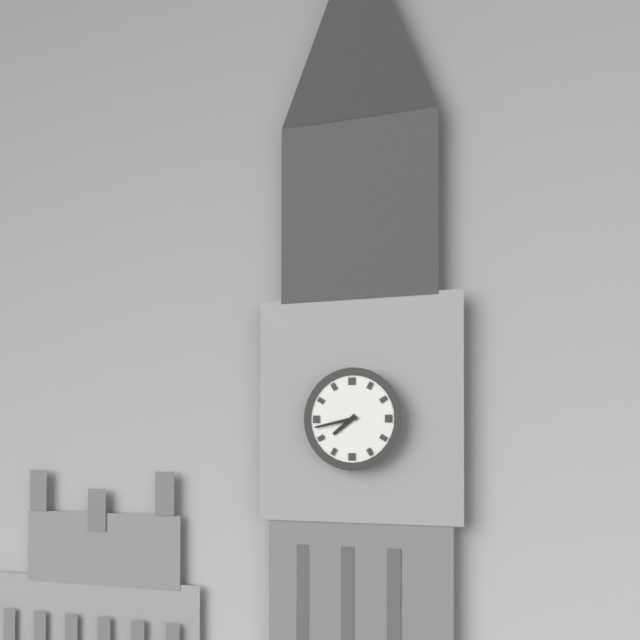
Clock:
7.43
